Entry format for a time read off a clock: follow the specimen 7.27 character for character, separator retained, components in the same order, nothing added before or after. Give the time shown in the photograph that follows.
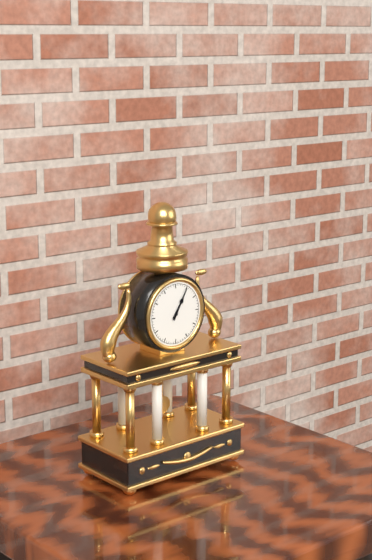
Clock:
1.05
